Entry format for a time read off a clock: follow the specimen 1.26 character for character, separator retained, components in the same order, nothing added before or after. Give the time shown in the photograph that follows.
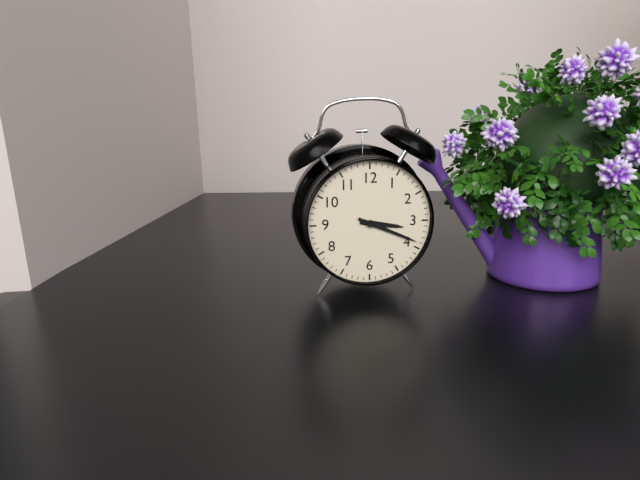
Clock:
3.19
